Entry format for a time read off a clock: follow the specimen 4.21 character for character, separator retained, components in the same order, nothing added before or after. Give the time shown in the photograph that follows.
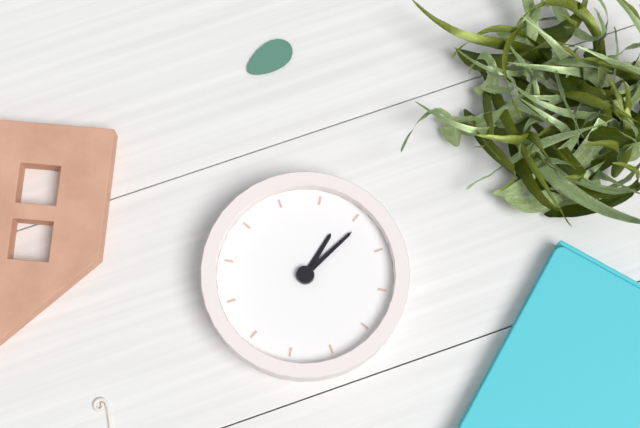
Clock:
7.41
